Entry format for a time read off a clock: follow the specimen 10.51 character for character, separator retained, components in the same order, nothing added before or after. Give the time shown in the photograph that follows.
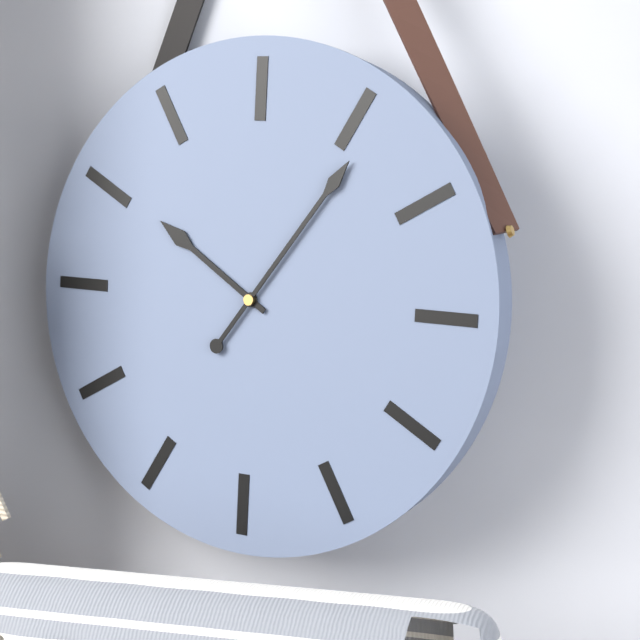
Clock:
10.06
